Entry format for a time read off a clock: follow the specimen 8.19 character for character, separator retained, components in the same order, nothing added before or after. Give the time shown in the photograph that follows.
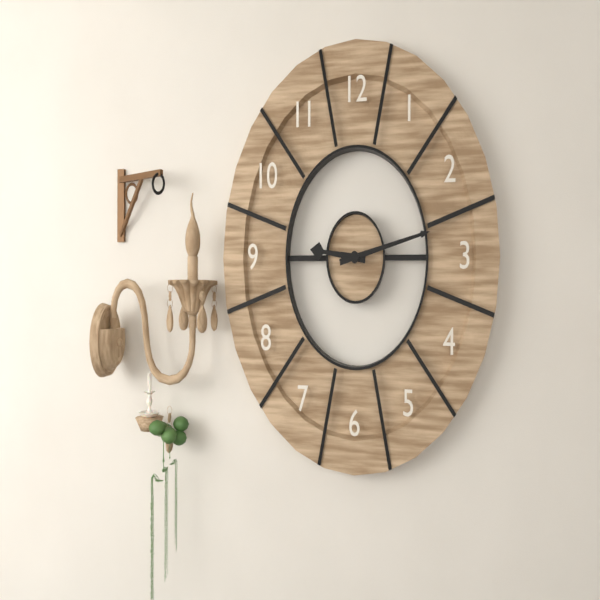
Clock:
9.13
